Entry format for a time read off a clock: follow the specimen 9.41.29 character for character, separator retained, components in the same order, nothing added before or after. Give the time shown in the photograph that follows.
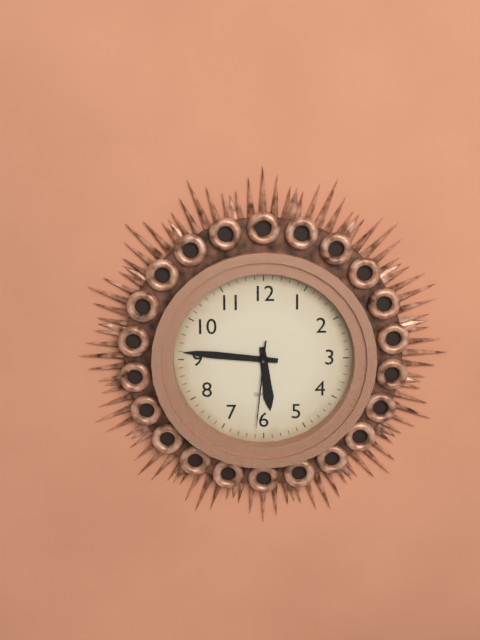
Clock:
5.46.31
